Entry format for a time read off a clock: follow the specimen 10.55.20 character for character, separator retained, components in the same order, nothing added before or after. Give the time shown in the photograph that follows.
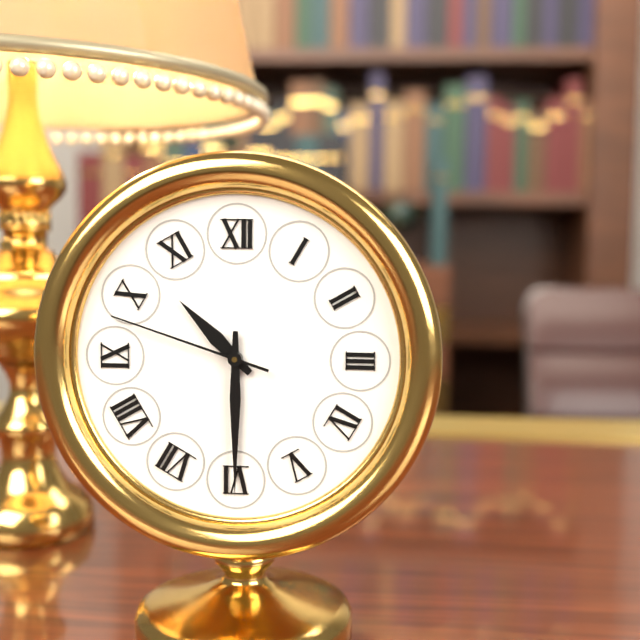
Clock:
10.30.48
